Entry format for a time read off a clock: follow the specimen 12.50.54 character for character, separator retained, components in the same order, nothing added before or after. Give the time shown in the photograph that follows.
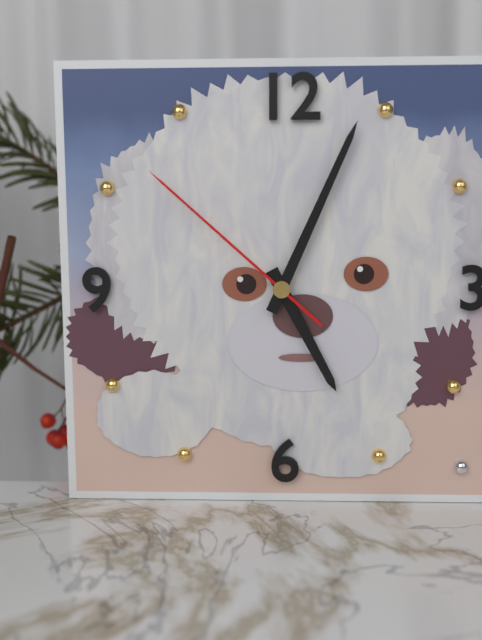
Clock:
5.04.52
